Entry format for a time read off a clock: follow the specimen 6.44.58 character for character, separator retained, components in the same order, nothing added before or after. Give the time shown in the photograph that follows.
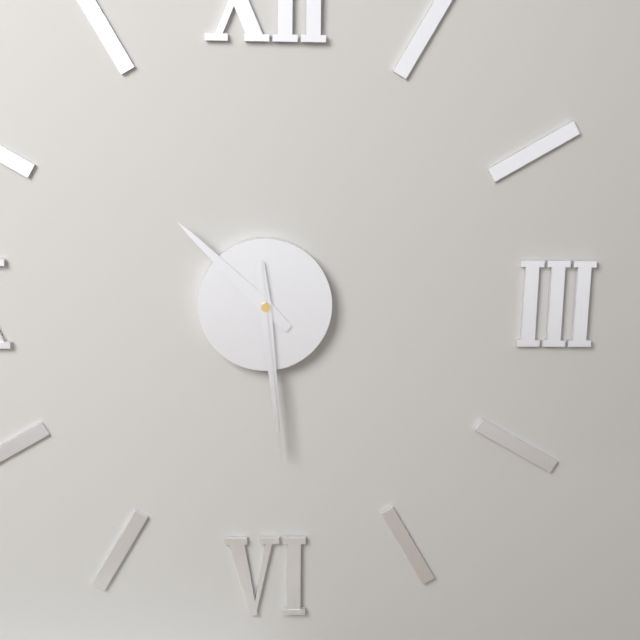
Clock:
10.29.29
